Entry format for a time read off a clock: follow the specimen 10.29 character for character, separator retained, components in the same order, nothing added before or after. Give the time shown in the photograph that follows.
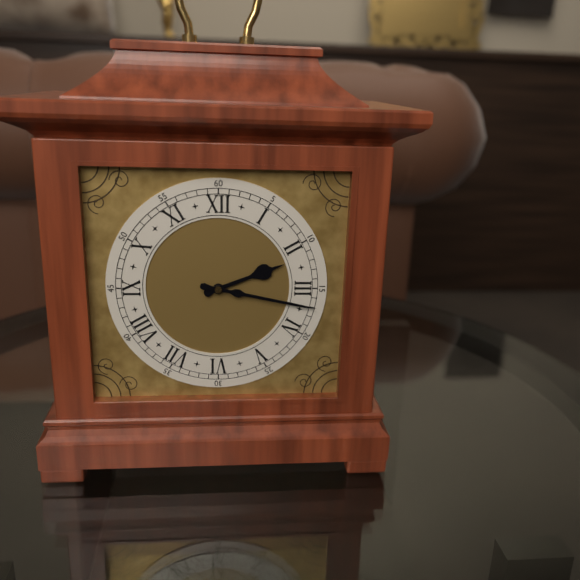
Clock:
2.17
